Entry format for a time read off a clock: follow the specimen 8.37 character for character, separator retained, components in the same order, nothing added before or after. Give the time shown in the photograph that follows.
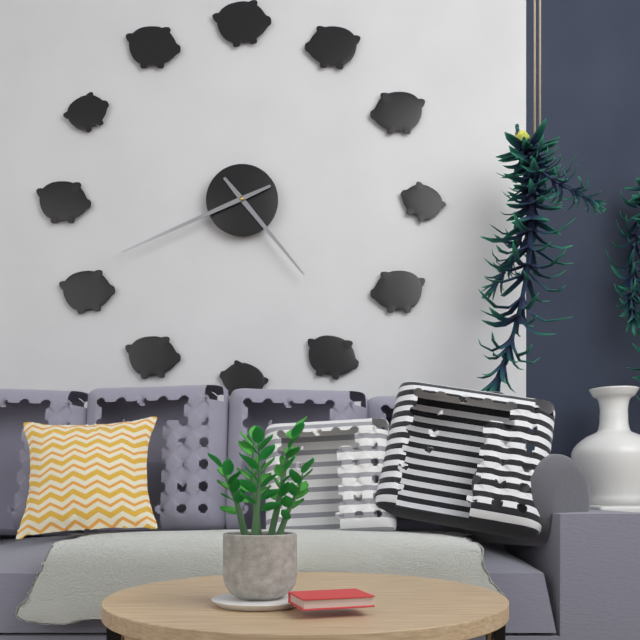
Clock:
4.41
